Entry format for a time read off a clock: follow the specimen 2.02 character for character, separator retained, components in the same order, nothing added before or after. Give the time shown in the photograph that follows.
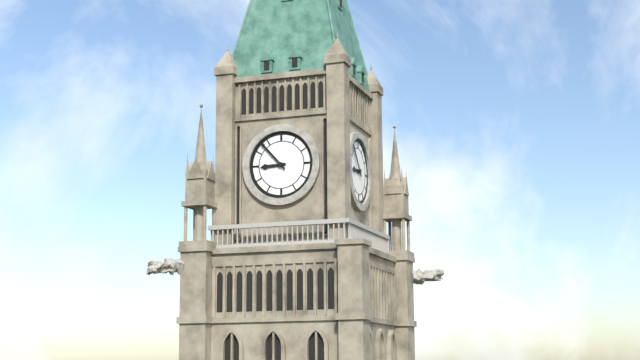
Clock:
8.53
